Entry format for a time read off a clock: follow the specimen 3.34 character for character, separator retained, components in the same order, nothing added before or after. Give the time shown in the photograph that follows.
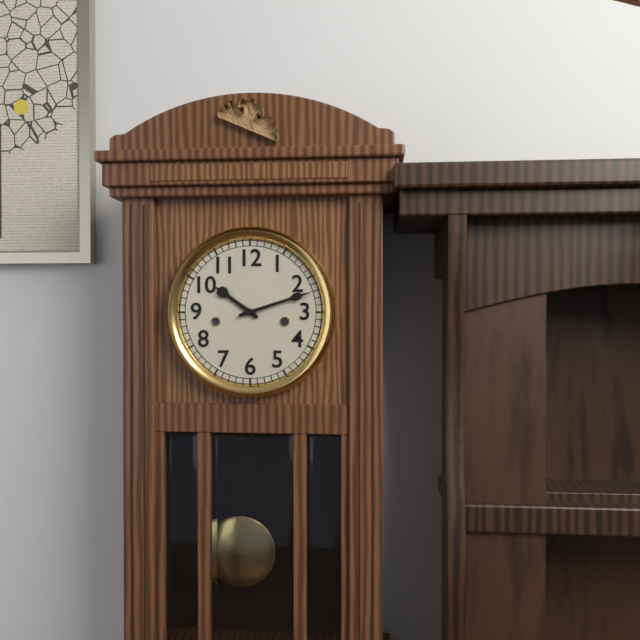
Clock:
10.12
